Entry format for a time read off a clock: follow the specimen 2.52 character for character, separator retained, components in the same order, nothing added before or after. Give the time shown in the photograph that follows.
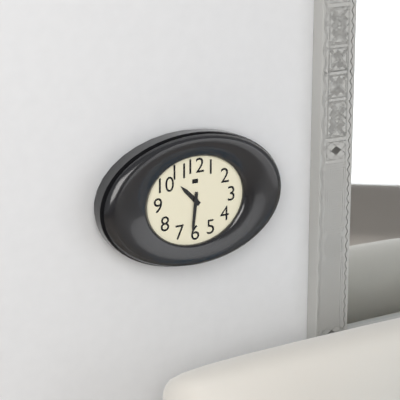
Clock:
10.31
